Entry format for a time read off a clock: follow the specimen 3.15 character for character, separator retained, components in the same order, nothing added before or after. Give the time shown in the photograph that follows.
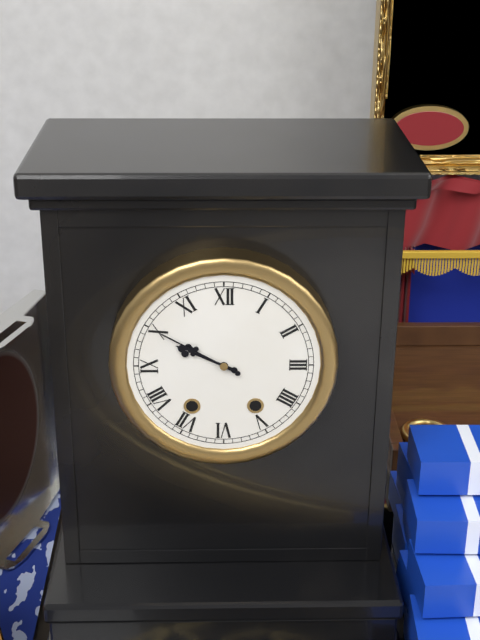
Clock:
9.50
